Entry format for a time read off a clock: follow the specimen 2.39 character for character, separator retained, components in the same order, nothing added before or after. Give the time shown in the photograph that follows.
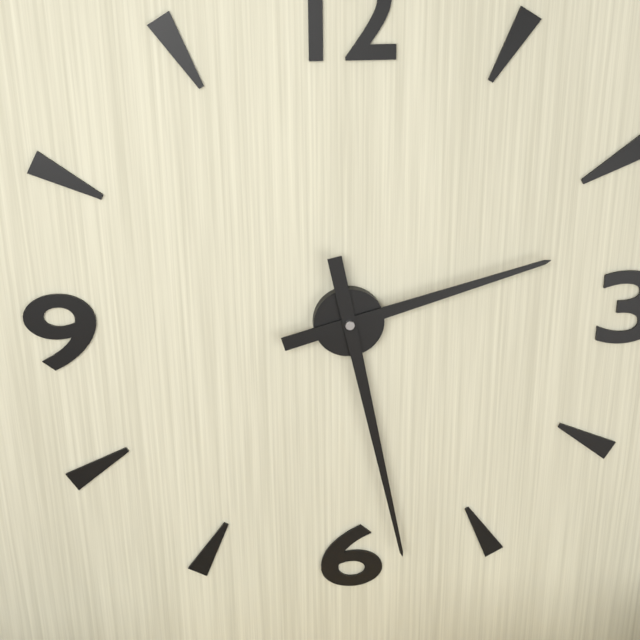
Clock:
2.28
